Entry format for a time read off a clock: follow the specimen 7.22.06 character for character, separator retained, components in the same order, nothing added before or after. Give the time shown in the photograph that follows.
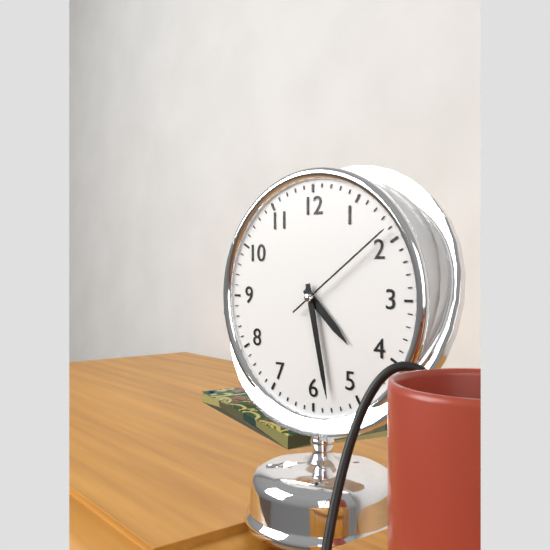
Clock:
4.28.09
